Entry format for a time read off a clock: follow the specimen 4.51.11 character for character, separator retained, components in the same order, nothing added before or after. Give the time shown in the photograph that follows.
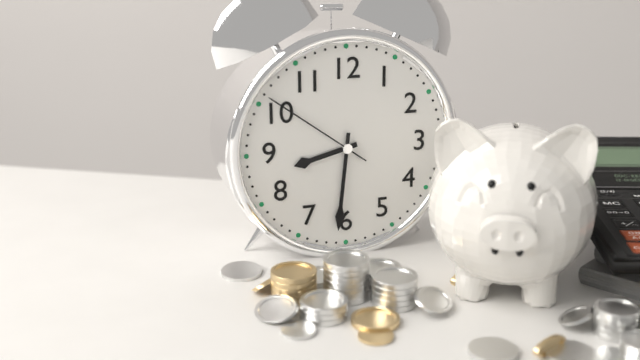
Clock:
8.31.51
